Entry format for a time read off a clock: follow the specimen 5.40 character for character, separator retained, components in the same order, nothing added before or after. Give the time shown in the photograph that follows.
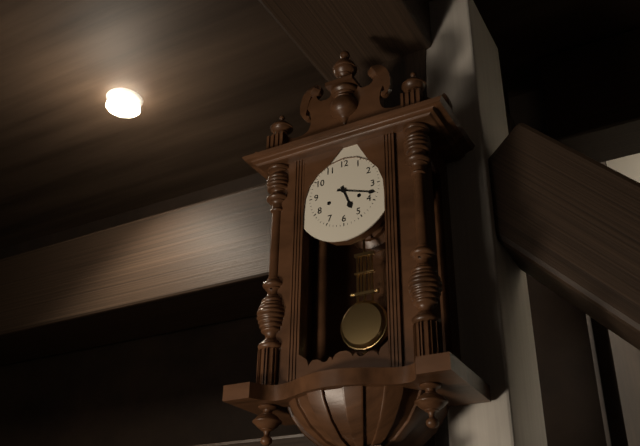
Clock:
5.18
